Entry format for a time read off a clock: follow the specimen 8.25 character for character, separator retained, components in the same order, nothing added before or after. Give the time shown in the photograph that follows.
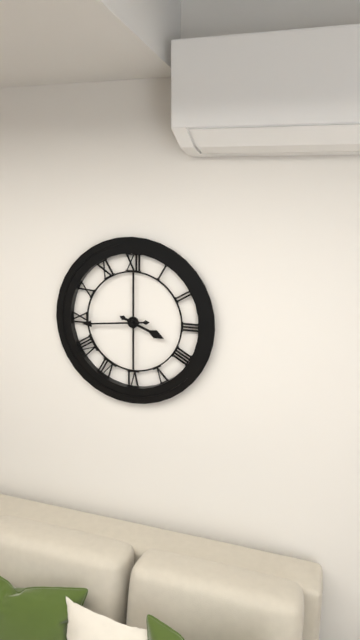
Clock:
3.44
